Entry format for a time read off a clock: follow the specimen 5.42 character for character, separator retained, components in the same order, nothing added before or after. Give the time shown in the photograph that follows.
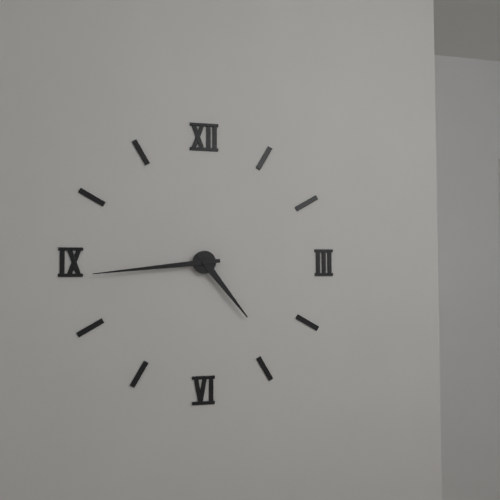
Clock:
4.44
